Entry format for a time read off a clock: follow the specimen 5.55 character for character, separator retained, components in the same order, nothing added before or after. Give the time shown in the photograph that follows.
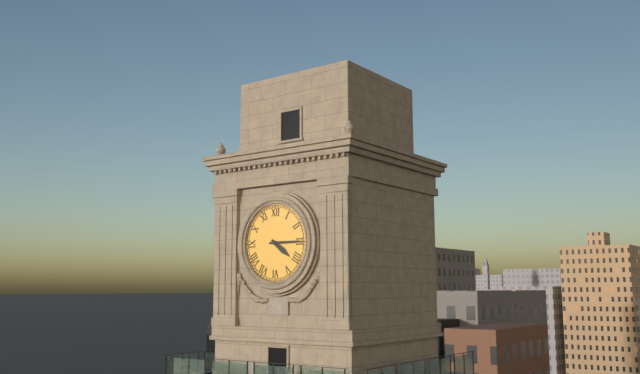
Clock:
4.15
